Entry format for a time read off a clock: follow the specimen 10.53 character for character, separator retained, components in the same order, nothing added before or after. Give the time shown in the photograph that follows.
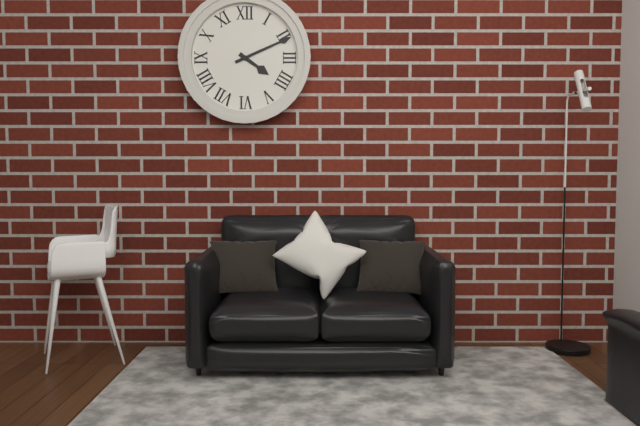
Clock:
4.11
